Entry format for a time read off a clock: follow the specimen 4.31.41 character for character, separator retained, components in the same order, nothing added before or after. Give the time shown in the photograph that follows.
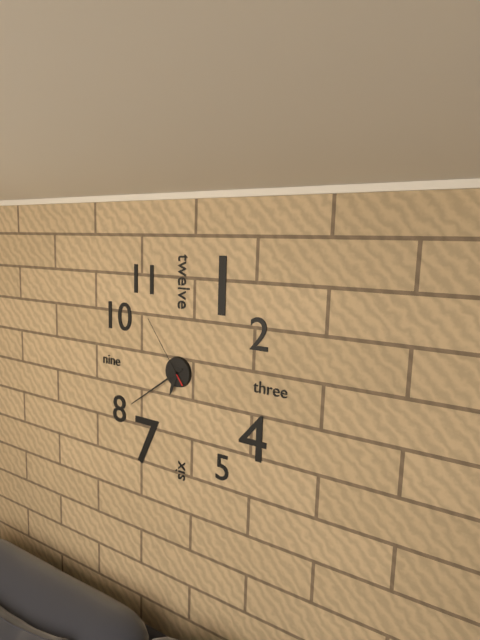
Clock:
6.39.54
